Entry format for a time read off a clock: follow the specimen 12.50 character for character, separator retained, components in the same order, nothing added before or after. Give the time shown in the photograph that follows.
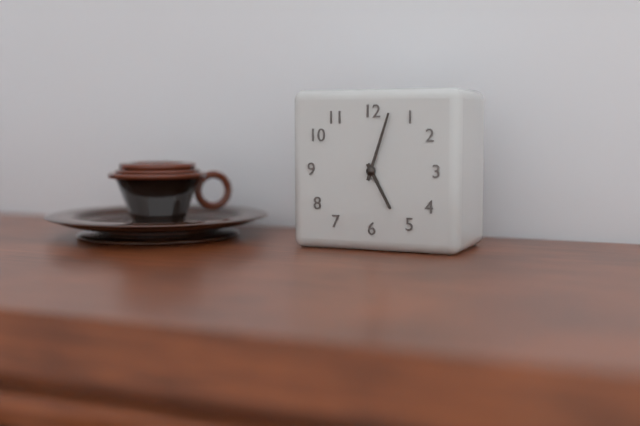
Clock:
5.03
